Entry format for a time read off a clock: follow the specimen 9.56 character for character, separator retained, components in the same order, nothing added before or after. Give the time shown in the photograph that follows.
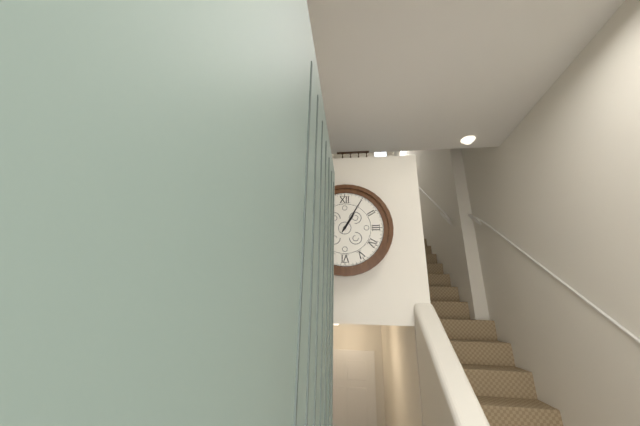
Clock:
1.05
